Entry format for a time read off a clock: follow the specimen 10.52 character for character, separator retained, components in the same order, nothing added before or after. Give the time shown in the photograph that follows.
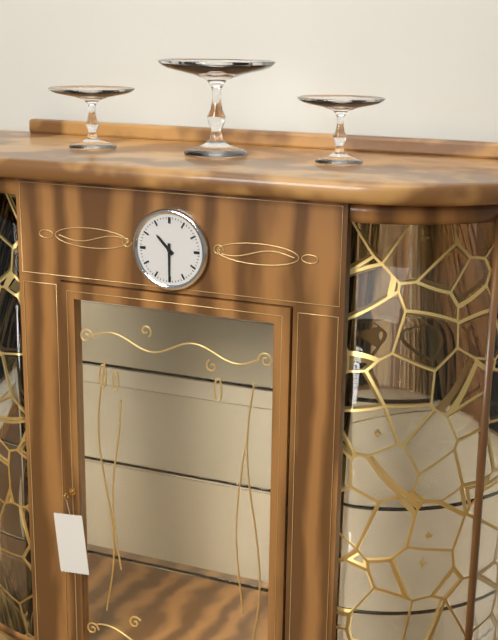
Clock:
10.30
